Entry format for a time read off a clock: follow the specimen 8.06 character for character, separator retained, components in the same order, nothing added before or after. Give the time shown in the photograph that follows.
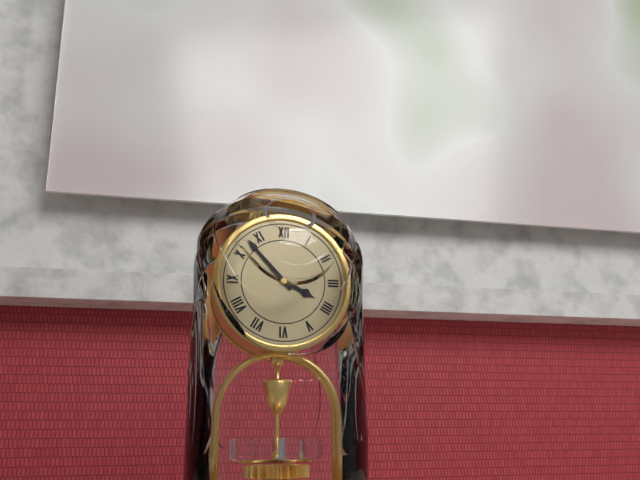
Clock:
3.53
